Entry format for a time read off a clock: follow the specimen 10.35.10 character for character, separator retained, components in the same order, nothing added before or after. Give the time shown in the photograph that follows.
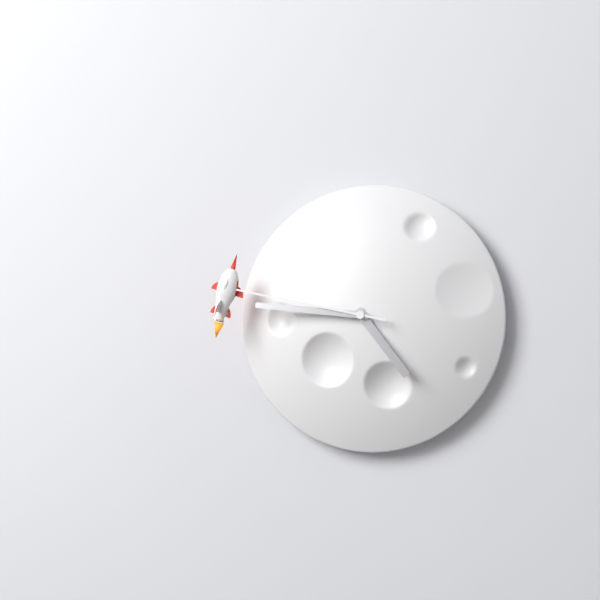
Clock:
4.46.47
